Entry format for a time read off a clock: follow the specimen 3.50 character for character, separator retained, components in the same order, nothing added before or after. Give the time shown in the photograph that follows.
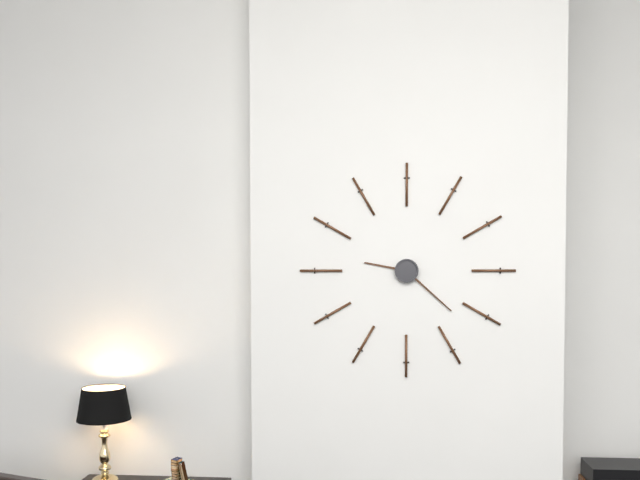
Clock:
9.22
